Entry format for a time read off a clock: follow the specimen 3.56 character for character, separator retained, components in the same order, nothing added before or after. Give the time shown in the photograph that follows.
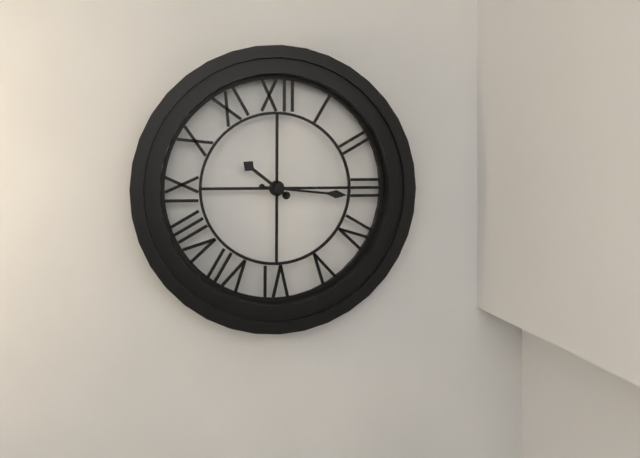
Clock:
10.16
